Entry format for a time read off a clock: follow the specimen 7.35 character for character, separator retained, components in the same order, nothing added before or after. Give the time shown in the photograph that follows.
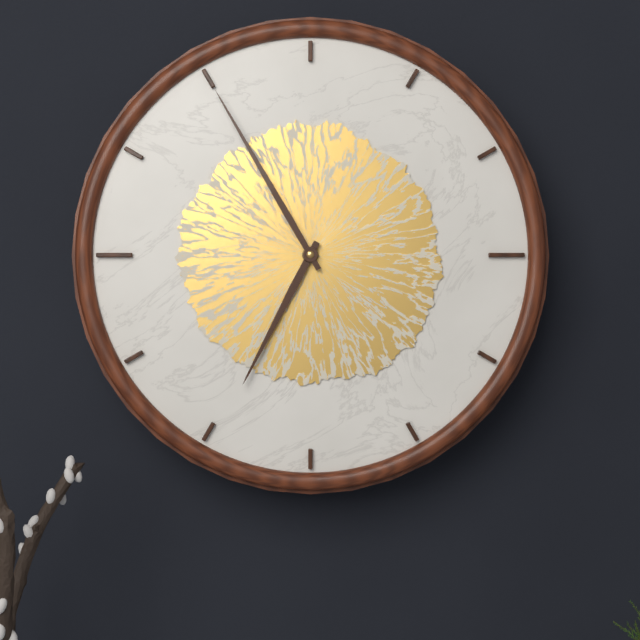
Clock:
6.55
